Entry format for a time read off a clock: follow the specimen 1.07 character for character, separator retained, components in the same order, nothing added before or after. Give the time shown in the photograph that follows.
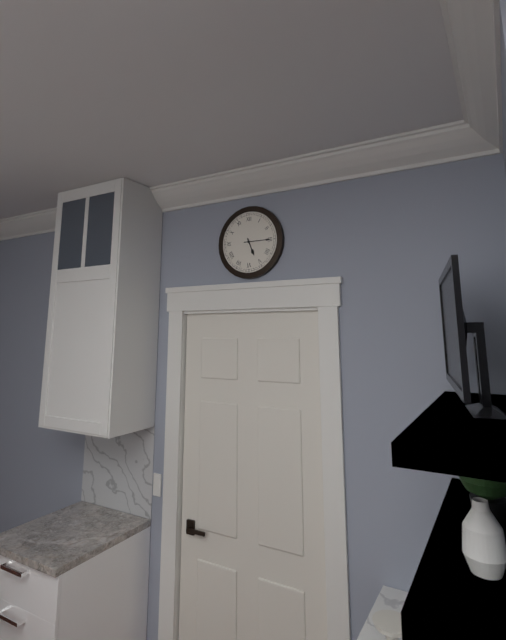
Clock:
5.15
